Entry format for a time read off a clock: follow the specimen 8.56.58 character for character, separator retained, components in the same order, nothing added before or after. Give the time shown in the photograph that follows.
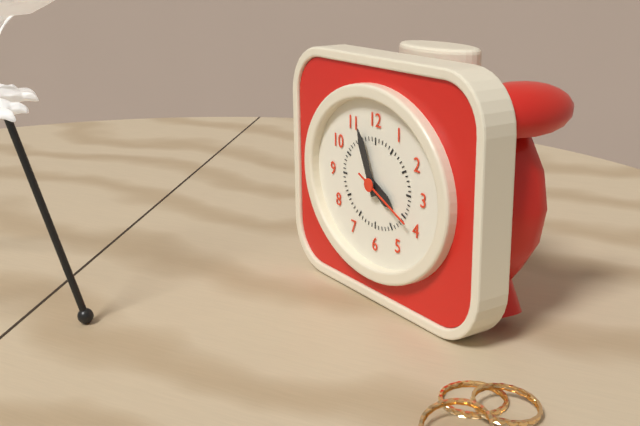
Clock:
3.56.19
